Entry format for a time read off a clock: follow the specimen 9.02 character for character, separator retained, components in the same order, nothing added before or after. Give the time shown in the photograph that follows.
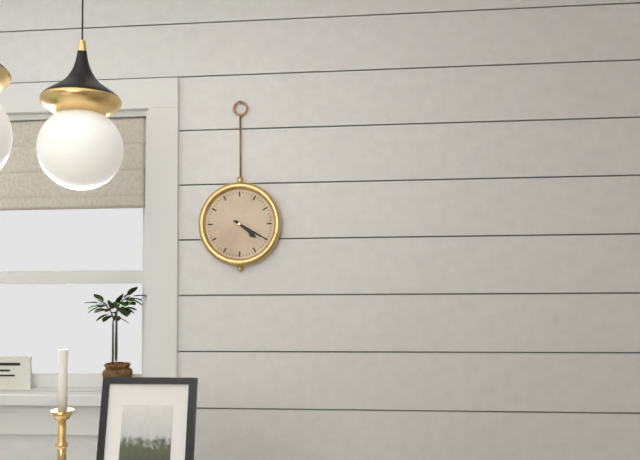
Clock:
4.20
